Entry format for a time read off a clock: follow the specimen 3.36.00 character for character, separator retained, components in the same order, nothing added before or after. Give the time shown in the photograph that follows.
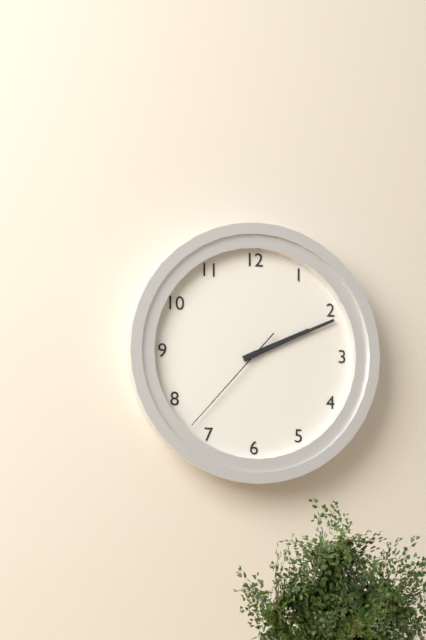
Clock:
2.11.37
